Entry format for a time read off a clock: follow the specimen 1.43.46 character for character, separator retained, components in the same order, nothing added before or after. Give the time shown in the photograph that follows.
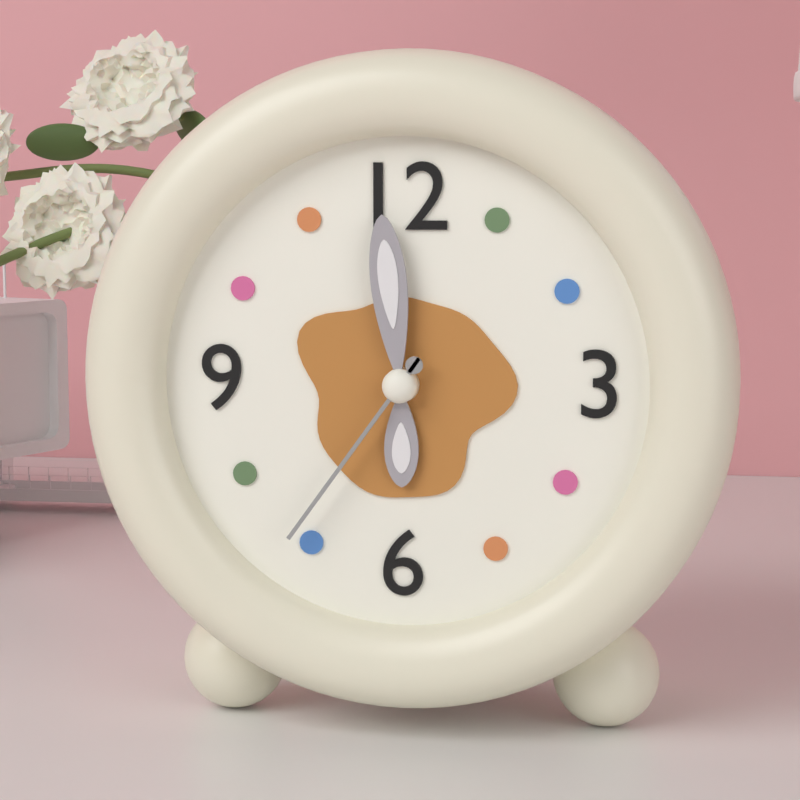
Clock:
5.59.36
